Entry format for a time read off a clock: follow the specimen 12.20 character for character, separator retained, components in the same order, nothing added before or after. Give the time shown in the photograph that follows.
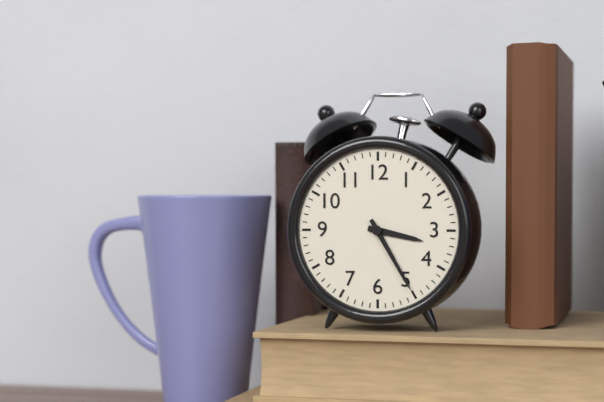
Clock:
3.25
